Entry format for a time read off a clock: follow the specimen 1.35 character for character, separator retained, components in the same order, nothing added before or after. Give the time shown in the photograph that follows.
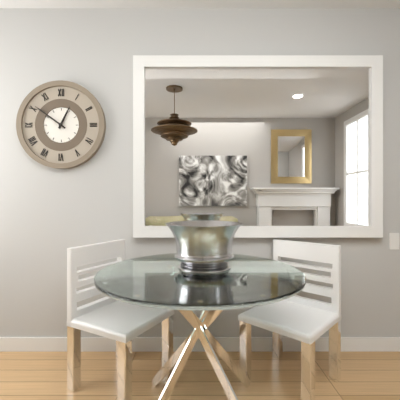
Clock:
12.51
